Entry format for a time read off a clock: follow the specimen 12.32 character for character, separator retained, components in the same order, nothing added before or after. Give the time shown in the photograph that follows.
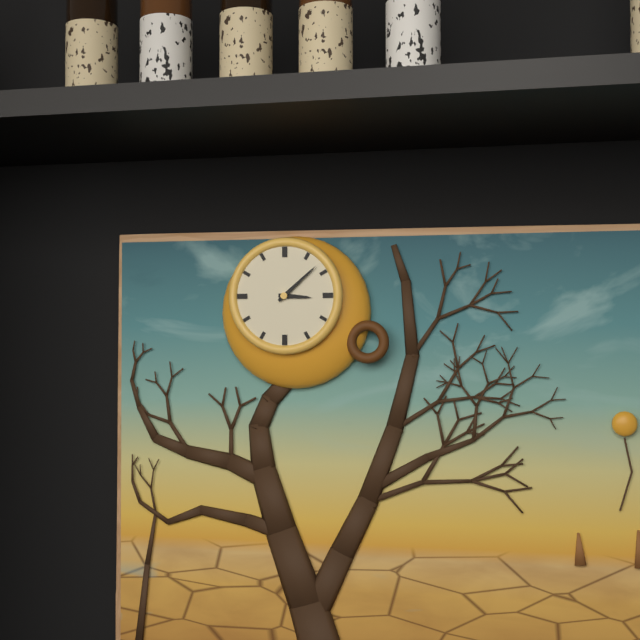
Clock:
3.08
